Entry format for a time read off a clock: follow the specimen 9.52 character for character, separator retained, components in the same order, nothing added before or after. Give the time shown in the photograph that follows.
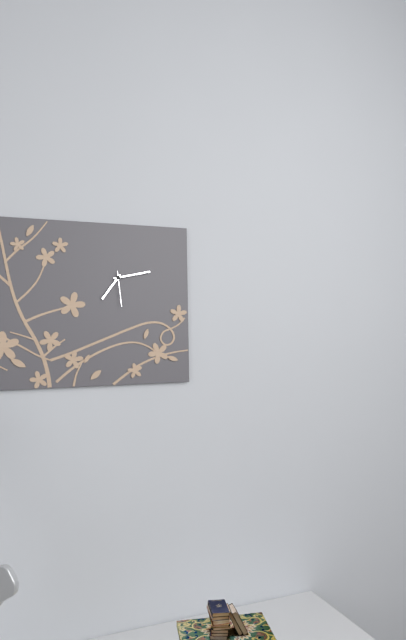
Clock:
7.13
